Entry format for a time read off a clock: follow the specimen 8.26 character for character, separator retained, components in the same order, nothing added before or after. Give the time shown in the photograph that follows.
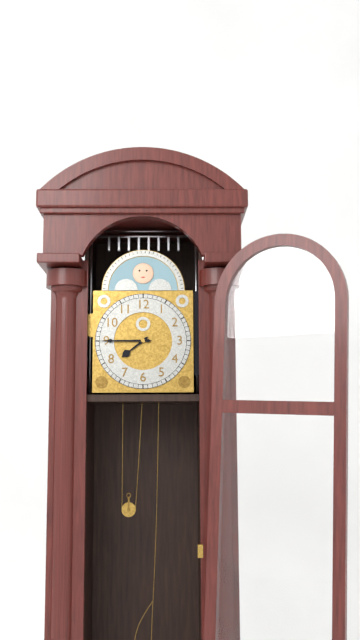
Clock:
7.45
